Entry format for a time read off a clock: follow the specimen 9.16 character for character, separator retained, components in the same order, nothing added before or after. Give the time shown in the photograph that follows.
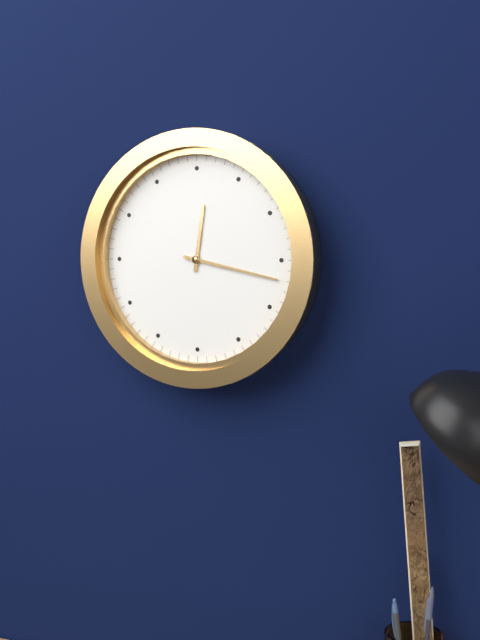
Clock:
12.17
